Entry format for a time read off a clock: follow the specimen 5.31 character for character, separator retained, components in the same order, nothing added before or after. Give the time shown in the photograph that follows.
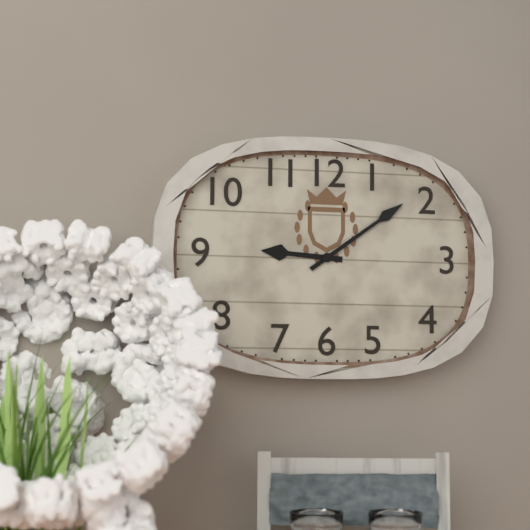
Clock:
9.09
